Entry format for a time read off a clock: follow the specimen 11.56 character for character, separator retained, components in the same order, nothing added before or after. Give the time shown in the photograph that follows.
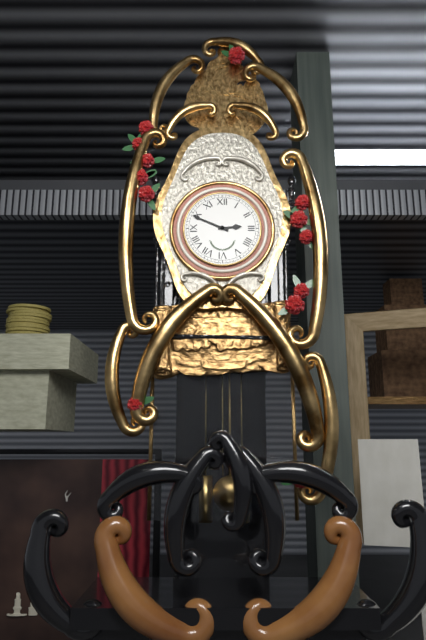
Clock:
2.49
